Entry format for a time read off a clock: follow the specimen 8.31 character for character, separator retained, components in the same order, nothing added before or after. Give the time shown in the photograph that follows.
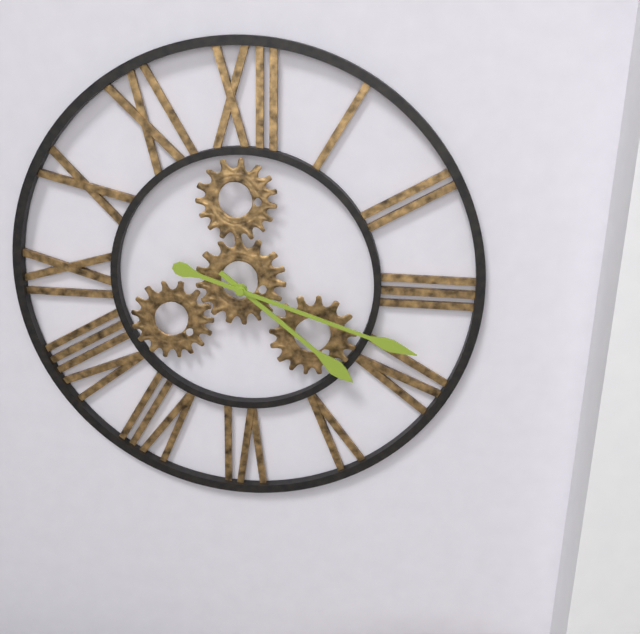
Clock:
4.18
